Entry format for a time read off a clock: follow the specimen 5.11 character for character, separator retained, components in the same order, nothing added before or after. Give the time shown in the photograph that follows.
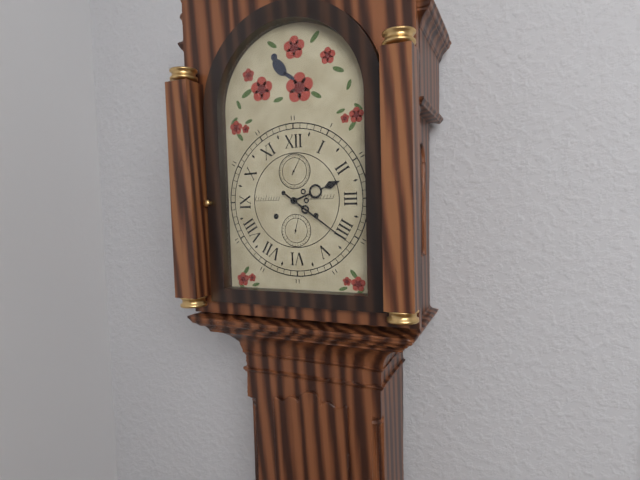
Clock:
2.21
